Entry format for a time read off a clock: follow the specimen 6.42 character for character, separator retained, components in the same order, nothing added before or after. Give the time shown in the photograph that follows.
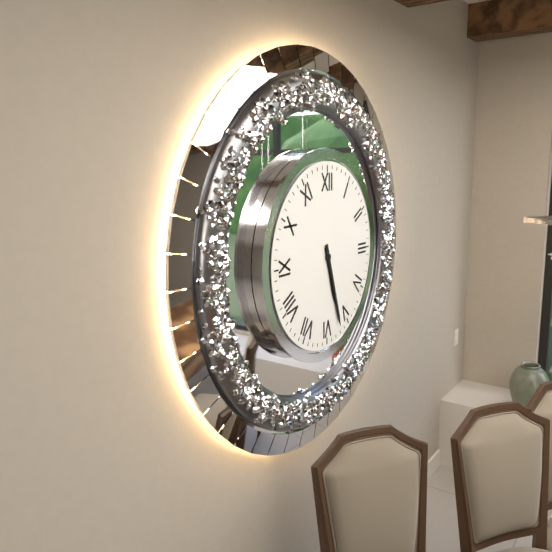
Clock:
5.27
